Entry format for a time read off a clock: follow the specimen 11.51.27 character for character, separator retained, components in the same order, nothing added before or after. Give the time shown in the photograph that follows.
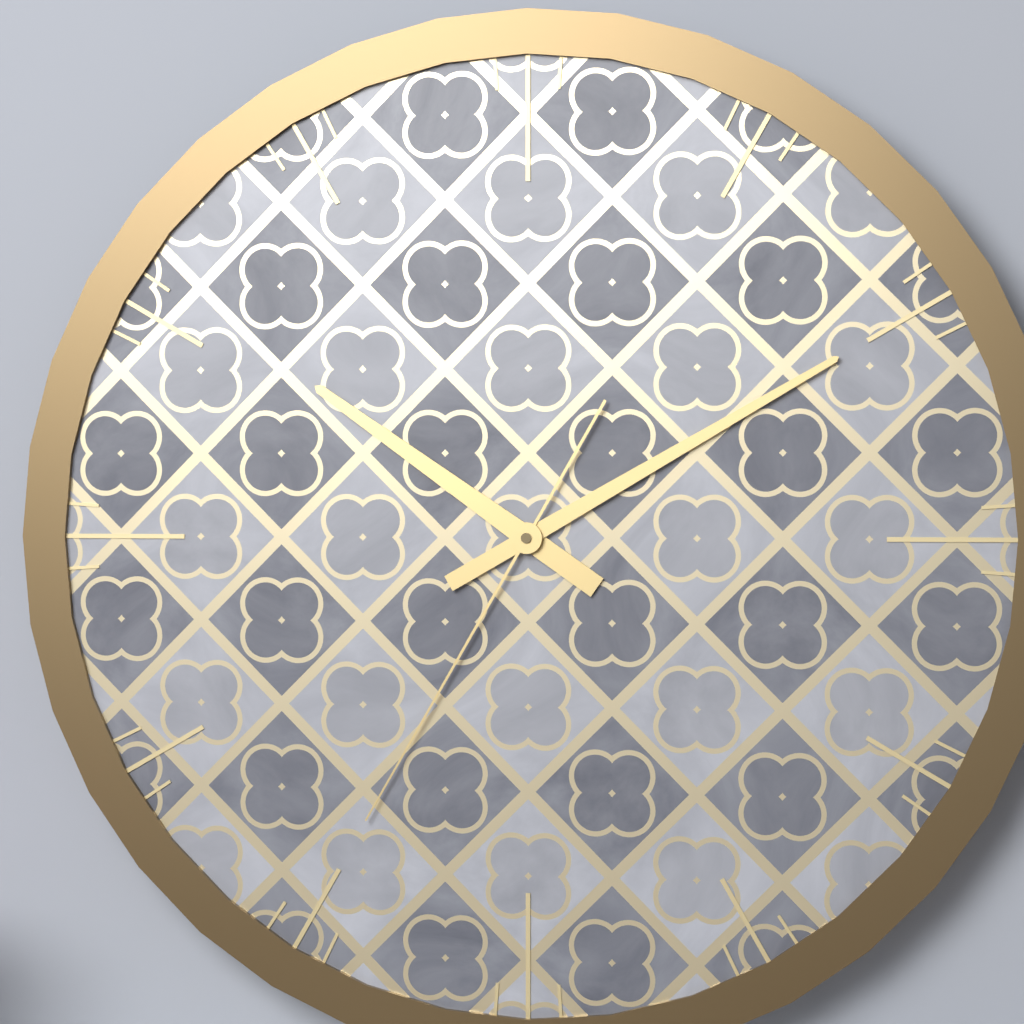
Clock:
10.10.35
